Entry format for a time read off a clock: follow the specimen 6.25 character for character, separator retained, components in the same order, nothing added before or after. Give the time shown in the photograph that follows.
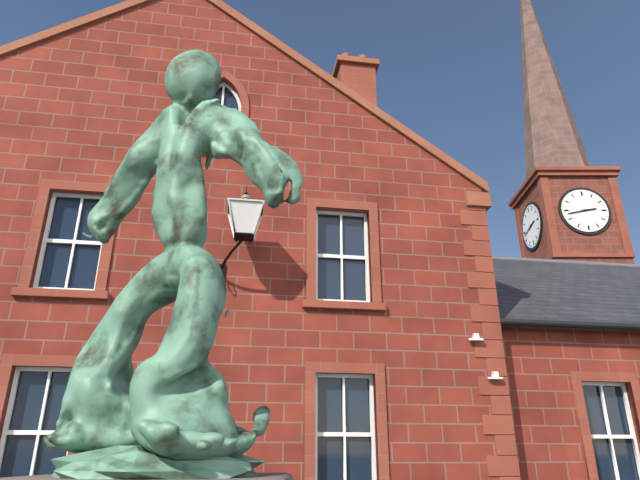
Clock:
2.43
